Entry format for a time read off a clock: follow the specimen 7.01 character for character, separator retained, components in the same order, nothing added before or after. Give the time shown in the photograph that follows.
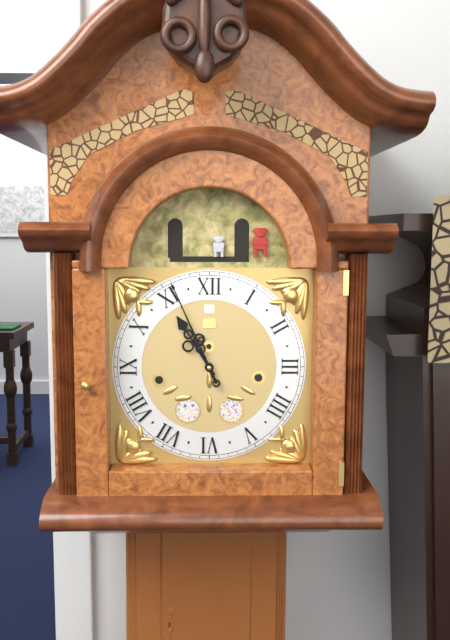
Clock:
10.56
